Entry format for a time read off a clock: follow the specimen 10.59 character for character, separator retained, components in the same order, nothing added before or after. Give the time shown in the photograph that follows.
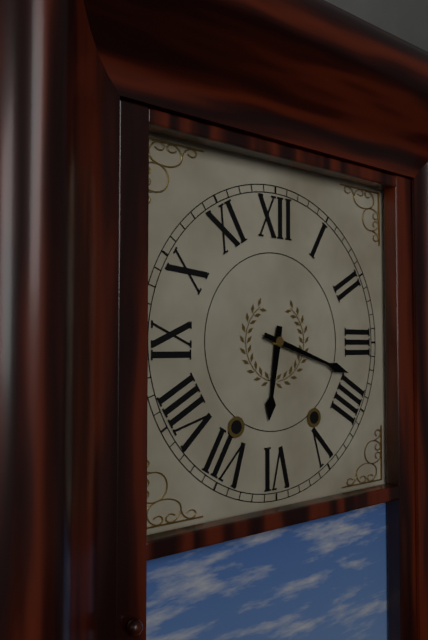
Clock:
6.18
